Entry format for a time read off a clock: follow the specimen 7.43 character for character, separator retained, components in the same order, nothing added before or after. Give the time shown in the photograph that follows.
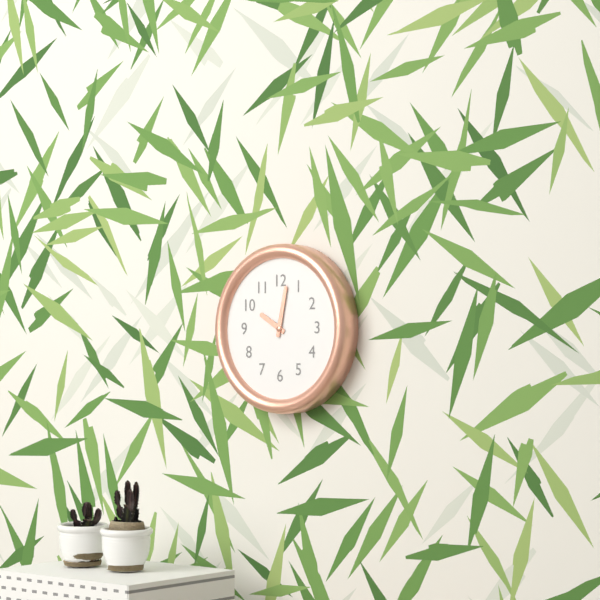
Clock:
10.02
